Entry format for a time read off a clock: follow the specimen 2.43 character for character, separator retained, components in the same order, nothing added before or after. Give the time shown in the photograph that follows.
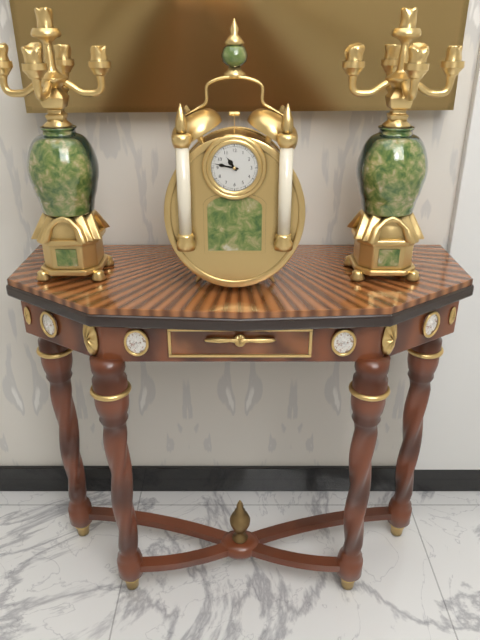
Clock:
10.47
